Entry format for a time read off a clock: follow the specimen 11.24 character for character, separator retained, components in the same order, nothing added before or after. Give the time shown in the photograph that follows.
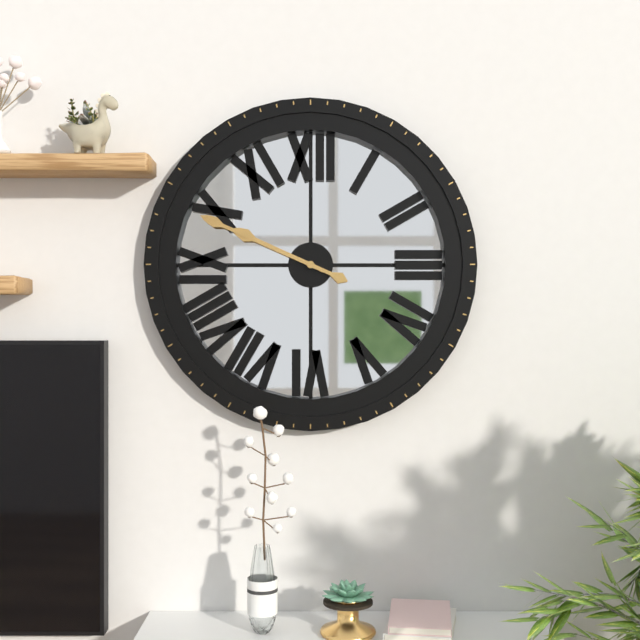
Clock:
9.49
